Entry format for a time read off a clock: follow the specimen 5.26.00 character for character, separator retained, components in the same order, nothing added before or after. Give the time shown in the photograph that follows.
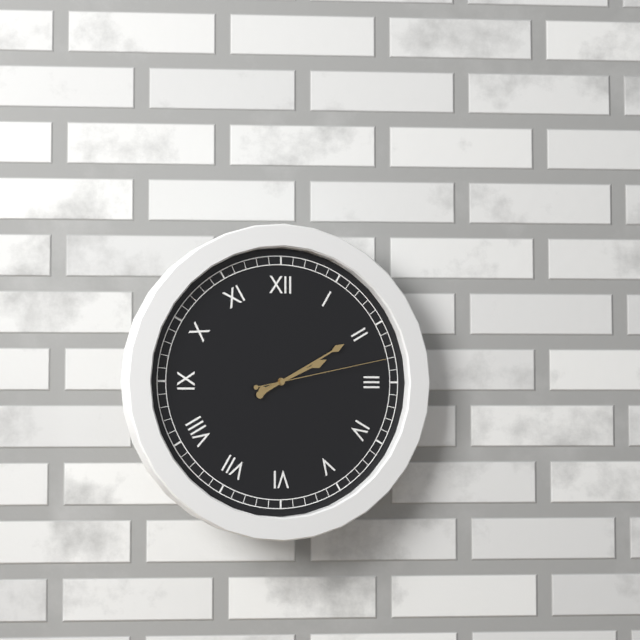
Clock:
2.10.13
